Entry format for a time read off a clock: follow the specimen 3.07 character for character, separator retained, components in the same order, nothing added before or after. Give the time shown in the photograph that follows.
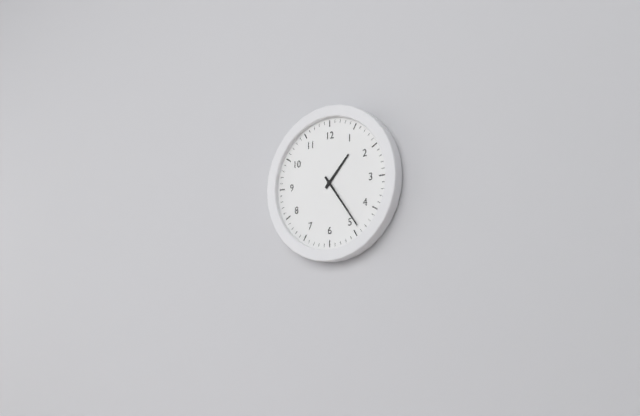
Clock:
1.24
